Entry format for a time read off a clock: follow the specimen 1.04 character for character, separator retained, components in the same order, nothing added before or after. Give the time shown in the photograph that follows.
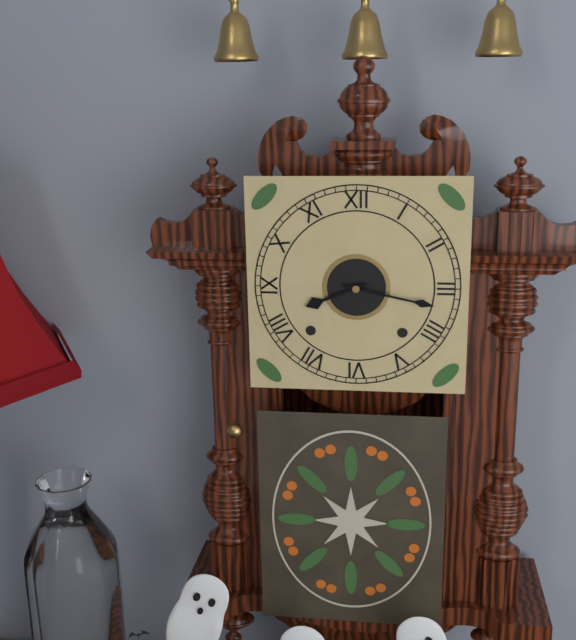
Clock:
8.17
